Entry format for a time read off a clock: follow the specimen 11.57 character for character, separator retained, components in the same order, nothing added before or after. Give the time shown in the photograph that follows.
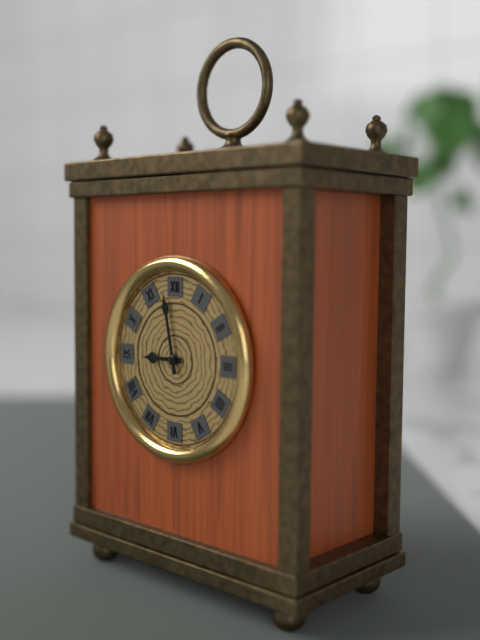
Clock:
8.58
